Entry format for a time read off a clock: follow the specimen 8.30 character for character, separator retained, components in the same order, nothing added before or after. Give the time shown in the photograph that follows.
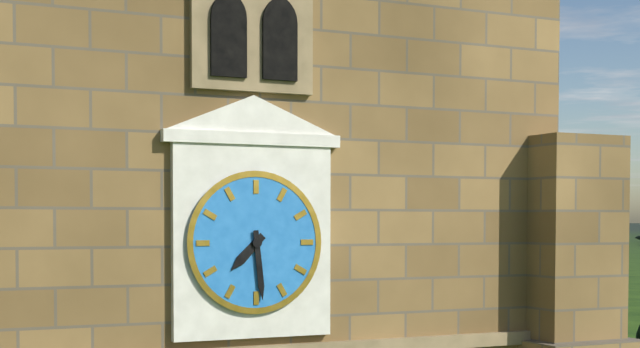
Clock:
7.29
